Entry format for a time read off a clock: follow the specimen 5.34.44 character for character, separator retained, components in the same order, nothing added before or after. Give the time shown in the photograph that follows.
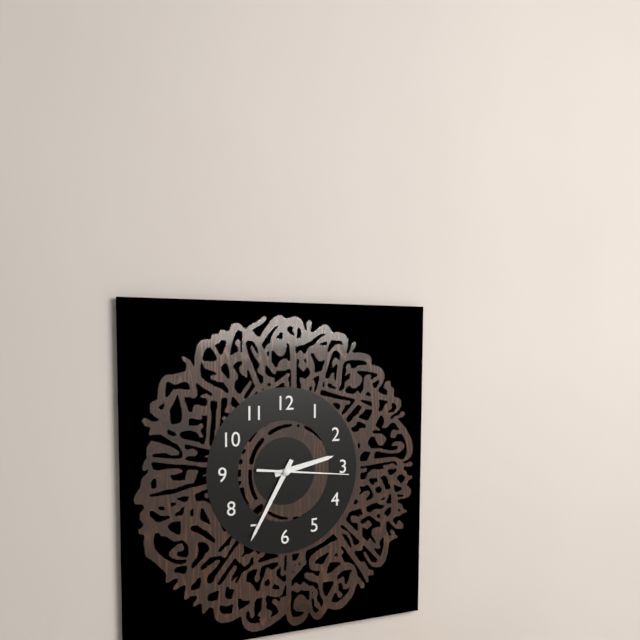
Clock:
2.35.16
